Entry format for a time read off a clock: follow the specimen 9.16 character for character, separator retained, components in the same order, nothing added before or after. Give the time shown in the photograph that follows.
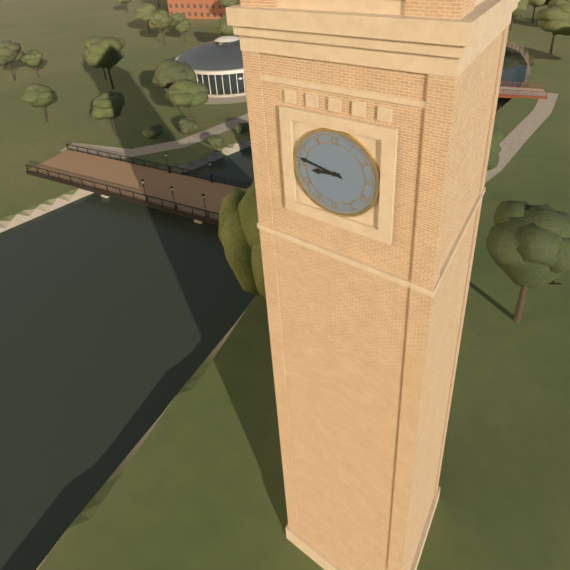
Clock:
8.47
